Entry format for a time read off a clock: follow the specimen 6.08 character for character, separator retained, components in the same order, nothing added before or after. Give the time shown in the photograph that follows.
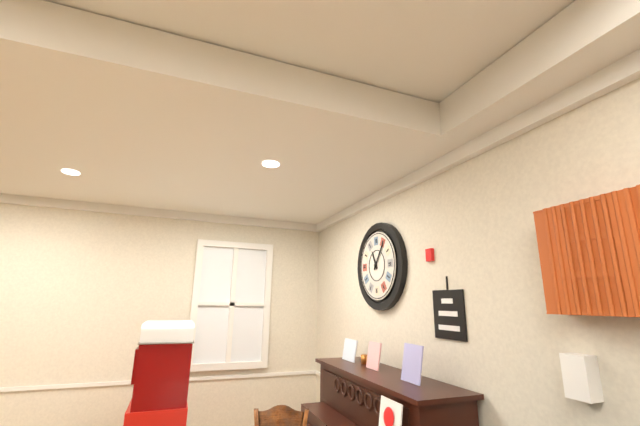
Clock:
11.06
